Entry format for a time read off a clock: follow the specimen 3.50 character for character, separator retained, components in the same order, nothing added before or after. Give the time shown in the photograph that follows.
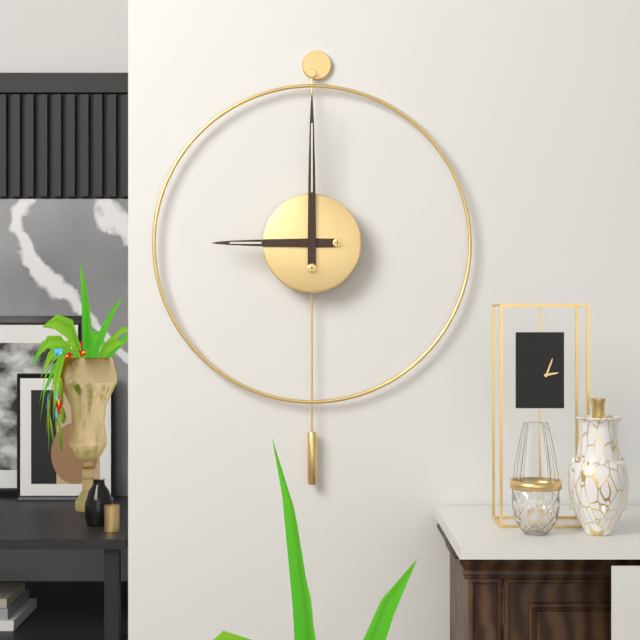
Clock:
9.00
